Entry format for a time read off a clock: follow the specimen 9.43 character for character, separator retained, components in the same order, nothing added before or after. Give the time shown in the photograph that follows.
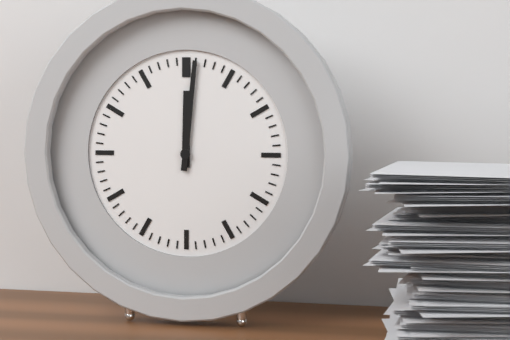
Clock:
12.01
